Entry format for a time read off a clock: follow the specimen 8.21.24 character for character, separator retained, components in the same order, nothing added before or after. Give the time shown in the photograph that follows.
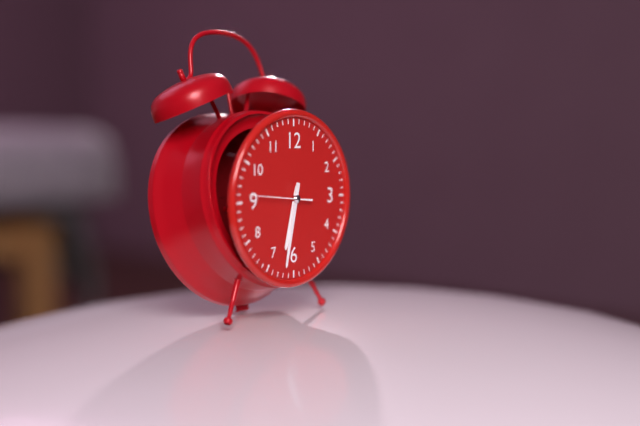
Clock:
6.32.46
